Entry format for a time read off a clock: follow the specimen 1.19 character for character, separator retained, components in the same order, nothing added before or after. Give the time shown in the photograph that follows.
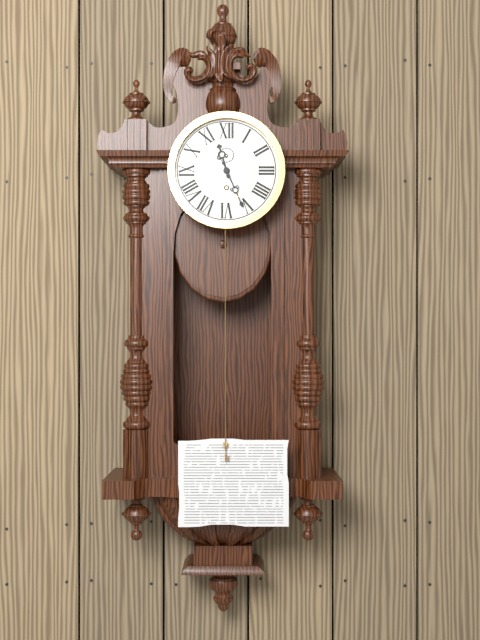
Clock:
11.26
